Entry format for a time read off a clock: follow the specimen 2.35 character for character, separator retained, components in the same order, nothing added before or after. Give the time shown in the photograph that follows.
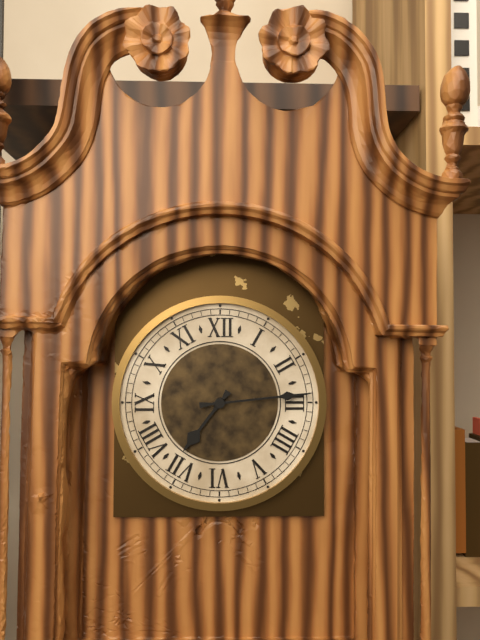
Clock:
7.14
